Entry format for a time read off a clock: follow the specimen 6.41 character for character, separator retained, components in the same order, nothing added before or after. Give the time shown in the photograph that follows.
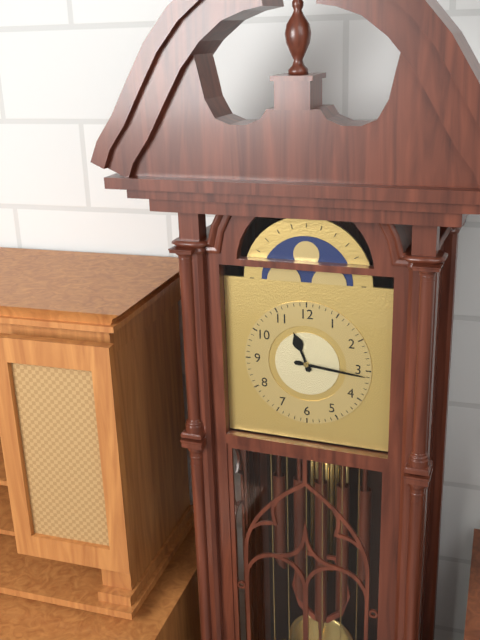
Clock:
11.16
